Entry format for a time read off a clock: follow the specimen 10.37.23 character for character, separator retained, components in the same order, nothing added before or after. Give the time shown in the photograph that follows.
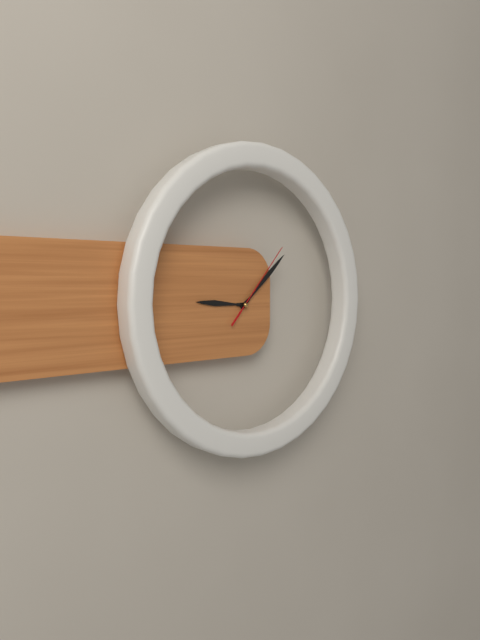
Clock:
9.08.07
